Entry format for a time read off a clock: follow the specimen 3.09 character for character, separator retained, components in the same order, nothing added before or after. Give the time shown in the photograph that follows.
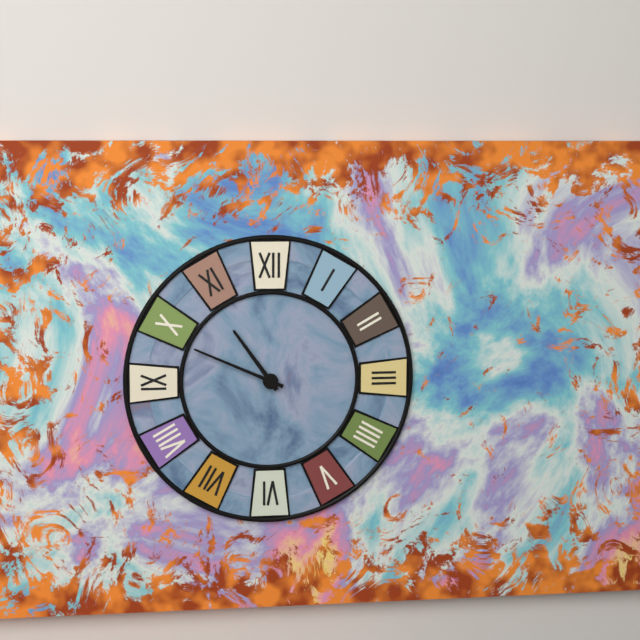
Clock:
10.49
